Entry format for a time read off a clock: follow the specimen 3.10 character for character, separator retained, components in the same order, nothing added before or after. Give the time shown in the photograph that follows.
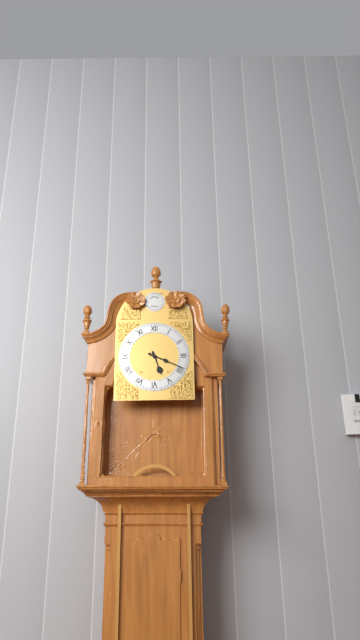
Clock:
5.19
